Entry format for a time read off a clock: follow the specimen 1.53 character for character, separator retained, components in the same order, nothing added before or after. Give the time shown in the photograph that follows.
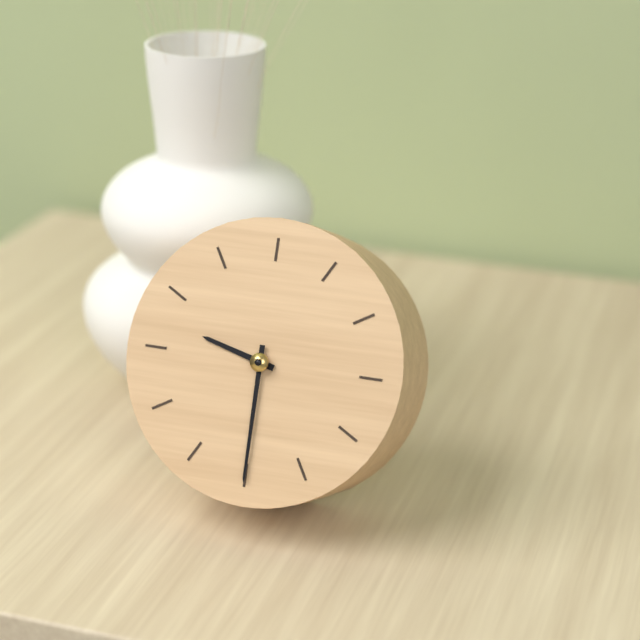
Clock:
9.30
